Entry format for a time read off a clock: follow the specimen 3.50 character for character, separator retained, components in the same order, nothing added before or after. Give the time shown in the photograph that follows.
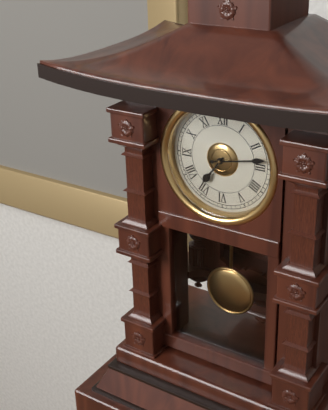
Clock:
7.13
